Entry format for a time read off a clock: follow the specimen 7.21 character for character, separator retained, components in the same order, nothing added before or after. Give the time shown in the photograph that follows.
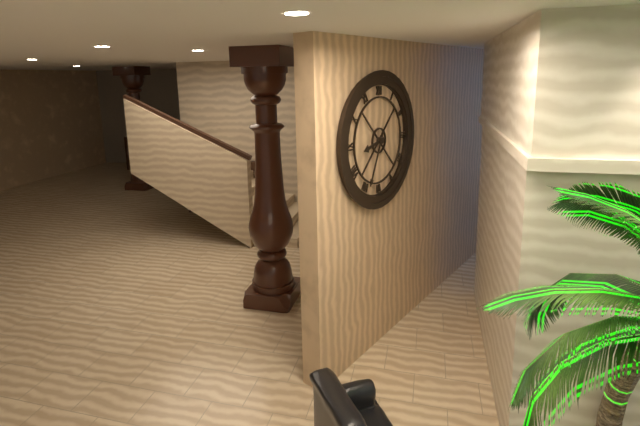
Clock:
8.34
